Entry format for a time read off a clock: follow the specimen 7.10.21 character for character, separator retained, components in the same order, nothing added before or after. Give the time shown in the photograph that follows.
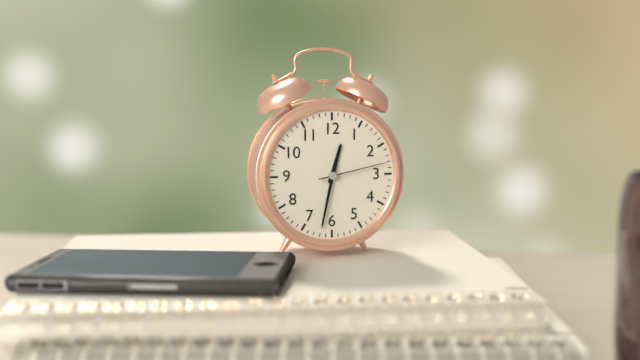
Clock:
12.32.13
